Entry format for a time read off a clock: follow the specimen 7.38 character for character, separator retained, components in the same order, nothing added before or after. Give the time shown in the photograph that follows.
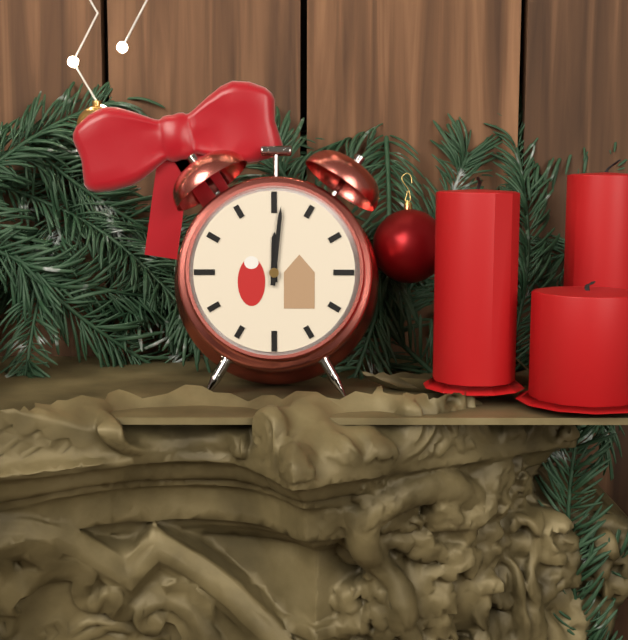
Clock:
12.01
